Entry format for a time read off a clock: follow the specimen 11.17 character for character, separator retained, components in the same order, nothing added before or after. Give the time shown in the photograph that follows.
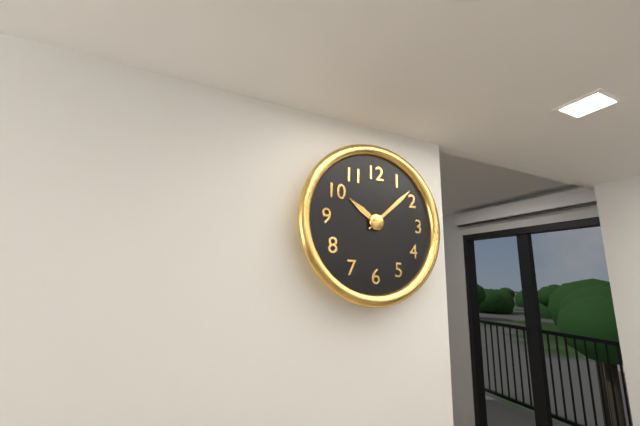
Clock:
10.08
